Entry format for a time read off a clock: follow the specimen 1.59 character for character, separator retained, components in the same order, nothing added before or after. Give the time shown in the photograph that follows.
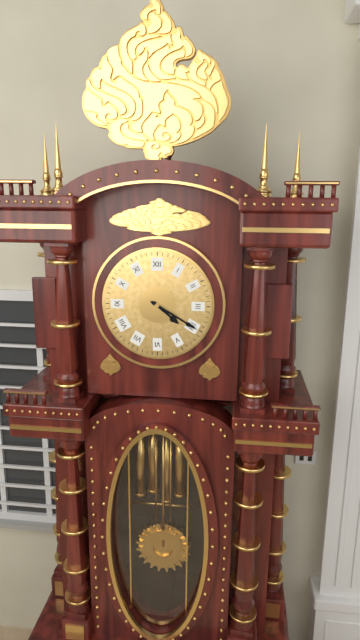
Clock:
4.20
